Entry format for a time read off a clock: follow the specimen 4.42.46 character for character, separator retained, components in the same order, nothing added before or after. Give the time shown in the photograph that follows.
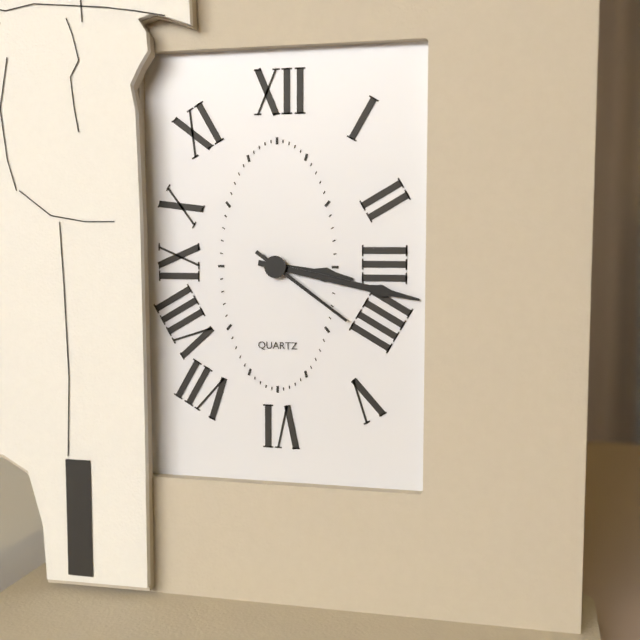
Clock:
3.17.21
